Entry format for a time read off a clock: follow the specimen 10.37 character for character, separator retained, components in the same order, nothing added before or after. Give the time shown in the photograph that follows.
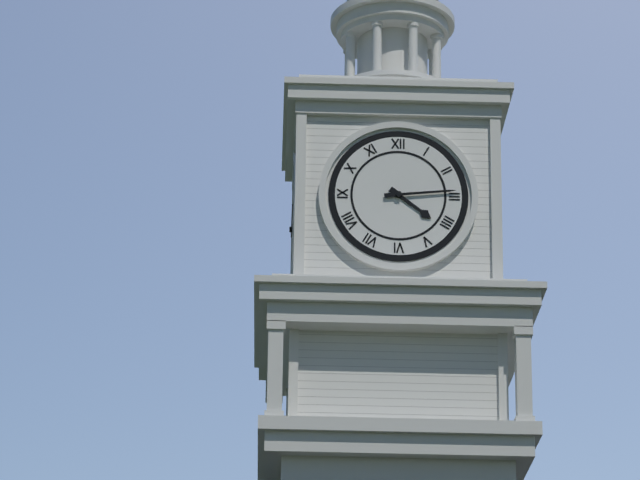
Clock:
4.14
